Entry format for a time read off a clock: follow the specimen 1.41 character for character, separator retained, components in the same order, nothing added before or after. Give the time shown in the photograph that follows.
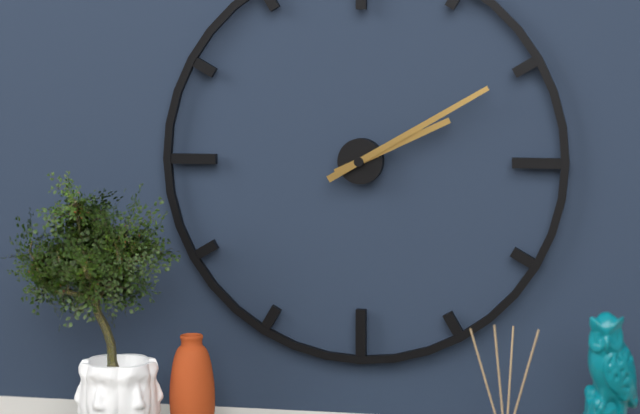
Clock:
2.10
